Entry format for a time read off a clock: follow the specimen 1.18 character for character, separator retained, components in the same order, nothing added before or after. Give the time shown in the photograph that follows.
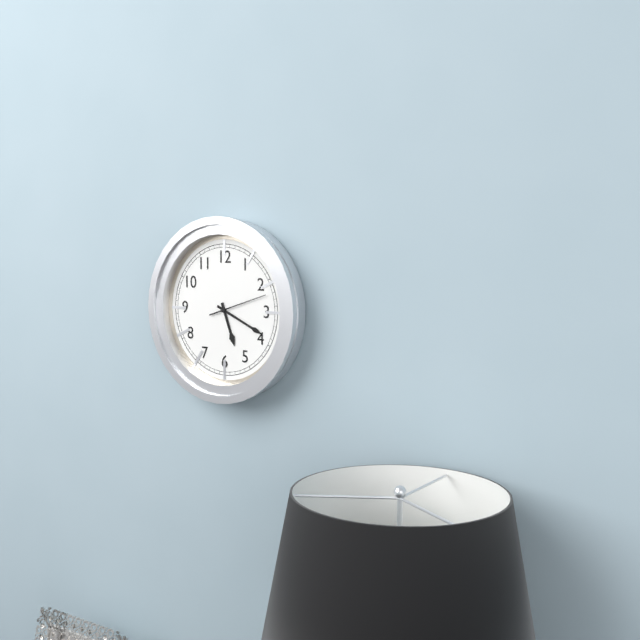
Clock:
5.19
